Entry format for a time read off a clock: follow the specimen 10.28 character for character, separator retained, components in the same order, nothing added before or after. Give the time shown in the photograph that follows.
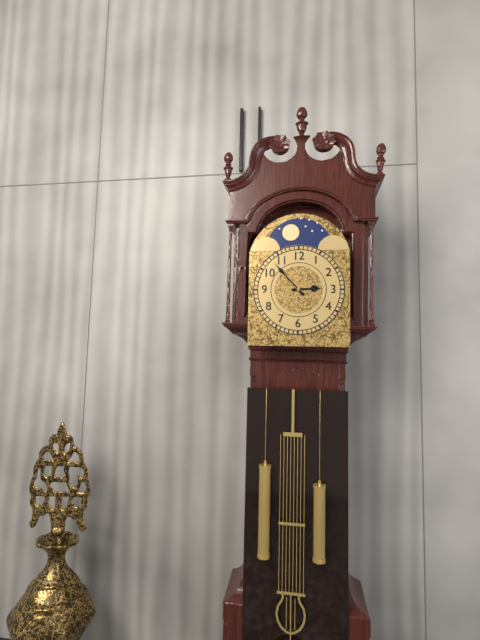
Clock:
2.53
